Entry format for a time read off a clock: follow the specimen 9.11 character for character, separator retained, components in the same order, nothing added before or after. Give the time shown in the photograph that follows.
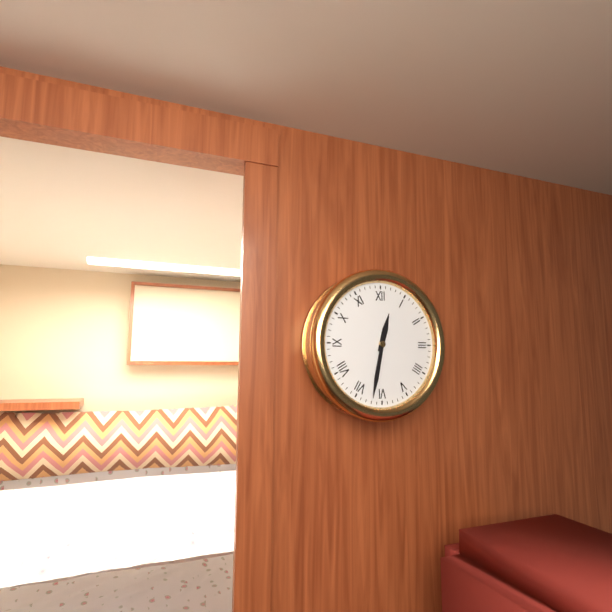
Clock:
12.32
